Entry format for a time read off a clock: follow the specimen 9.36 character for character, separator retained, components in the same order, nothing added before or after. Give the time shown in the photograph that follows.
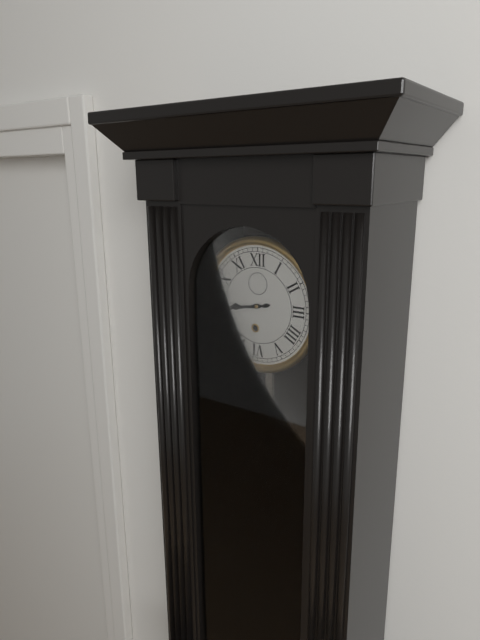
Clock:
8.43
